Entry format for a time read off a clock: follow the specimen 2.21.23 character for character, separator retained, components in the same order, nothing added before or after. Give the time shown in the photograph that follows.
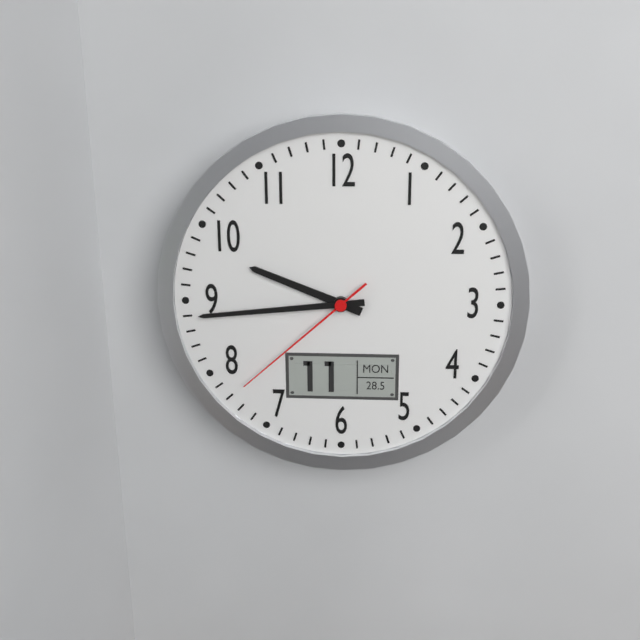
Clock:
9.44.38
